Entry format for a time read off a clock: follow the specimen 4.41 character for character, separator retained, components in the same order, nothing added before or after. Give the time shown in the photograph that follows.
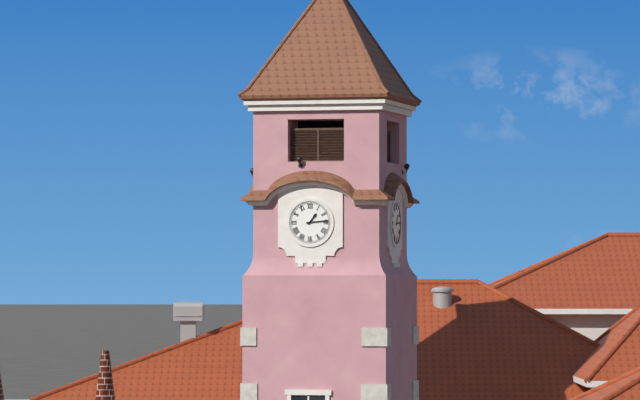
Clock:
1.14
